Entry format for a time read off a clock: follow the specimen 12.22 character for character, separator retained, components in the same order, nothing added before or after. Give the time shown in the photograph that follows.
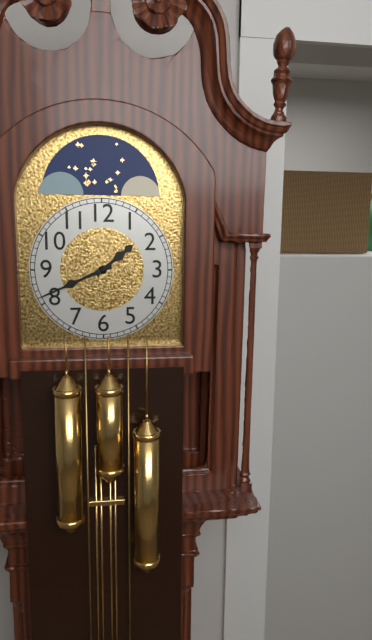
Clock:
1.41
